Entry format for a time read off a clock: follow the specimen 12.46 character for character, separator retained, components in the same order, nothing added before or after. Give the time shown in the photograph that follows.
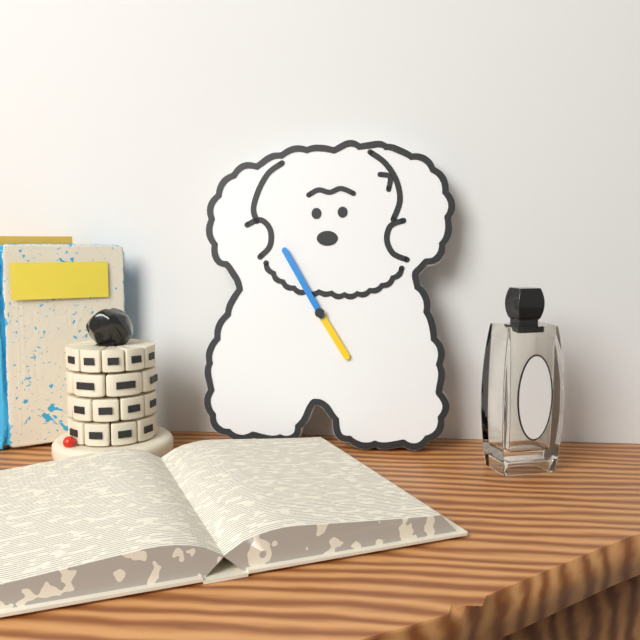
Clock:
4.55
